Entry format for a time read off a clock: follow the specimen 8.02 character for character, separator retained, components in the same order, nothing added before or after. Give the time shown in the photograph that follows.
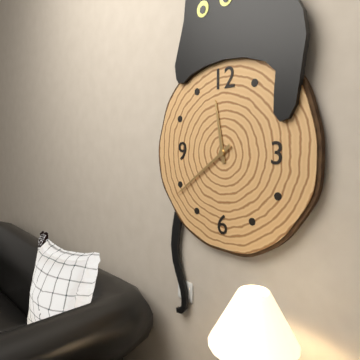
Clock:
11.39
